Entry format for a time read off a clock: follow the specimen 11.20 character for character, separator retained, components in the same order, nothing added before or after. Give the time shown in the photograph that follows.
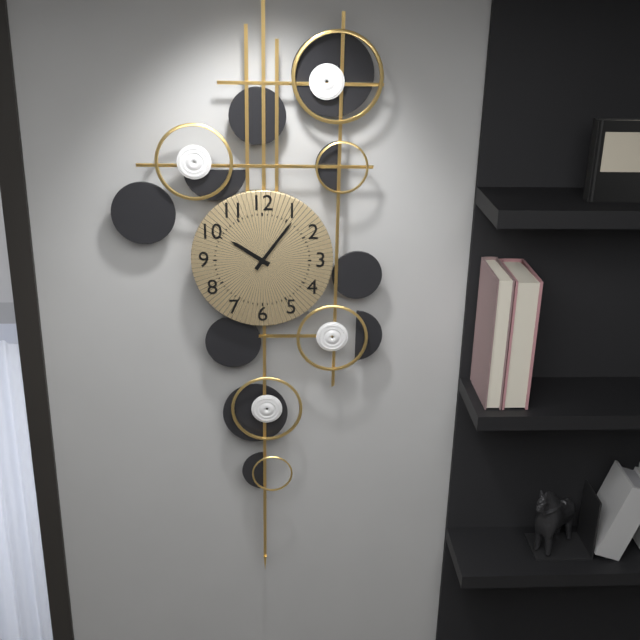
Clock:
10.06
